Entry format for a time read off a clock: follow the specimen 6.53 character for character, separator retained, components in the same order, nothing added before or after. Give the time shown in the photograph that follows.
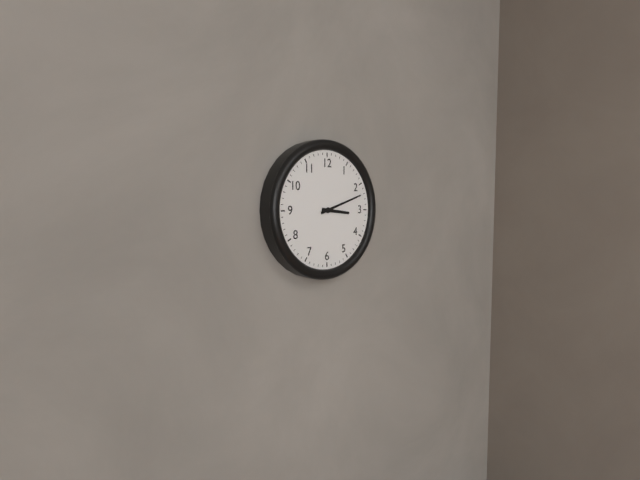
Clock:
3.12
